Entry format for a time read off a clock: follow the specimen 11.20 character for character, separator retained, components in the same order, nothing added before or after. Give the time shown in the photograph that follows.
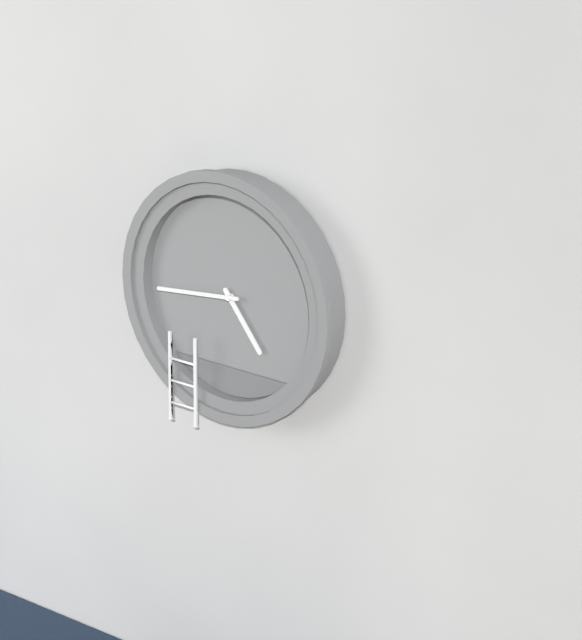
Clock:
4.44
